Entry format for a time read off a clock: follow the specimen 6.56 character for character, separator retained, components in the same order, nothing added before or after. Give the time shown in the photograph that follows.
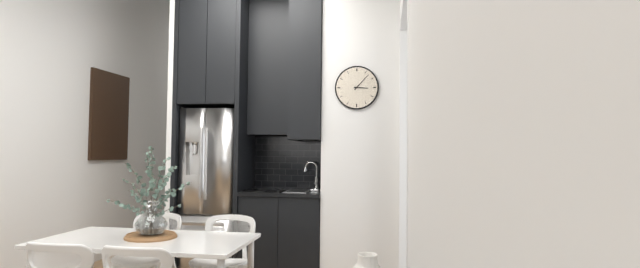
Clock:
3.07
